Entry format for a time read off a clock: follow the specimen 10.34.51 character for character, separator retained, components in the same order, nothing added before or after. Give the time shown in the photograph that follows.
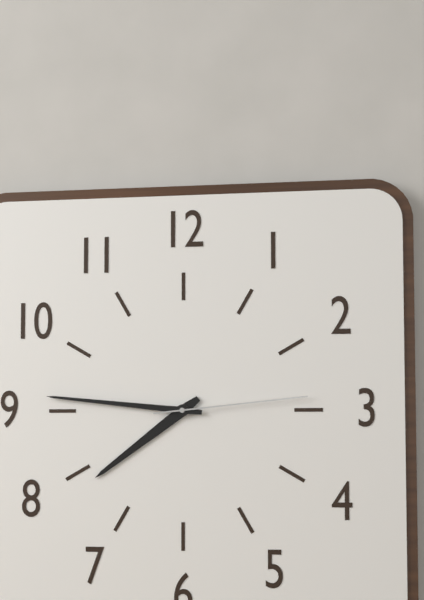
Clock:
7.46.14
